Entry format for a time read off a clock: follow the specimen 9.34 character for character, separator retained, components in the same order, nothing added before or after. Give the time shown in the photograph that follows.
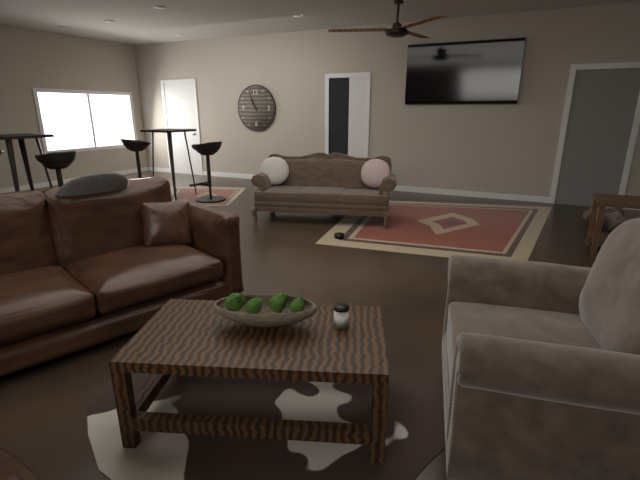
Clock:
10.56
